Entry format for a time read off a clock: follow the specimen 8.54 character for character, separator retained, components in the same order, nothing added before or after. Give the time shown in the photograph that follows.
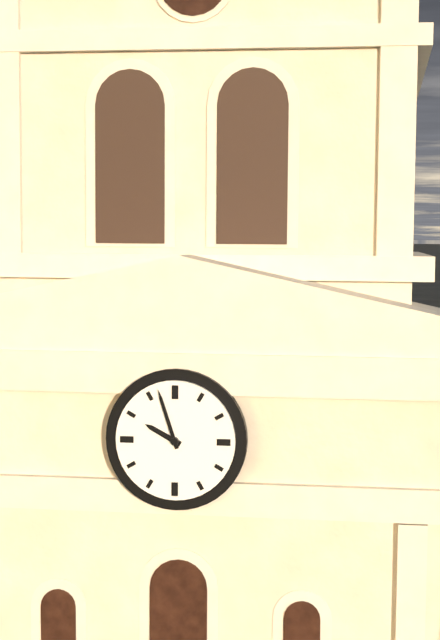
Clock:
9.57
